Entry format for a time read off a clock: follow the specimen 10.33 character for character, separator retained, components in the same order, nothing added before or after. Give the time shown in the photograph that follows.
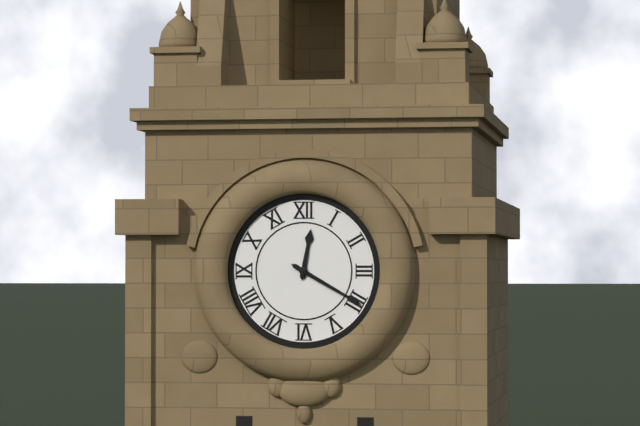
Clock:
12.20
